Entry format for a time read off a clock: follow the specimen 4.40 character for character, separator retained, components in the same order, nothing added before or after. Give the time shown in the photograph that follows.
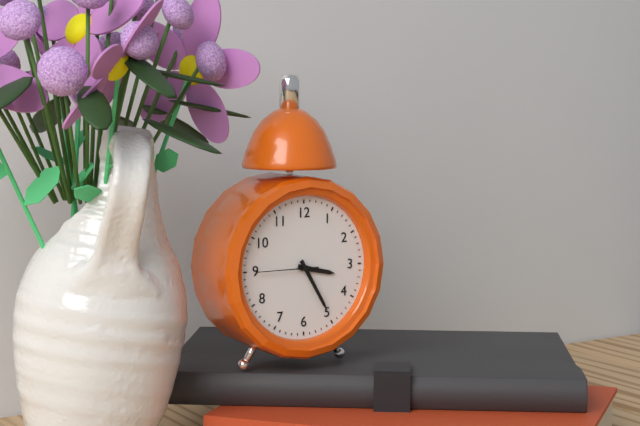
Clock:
3.25
